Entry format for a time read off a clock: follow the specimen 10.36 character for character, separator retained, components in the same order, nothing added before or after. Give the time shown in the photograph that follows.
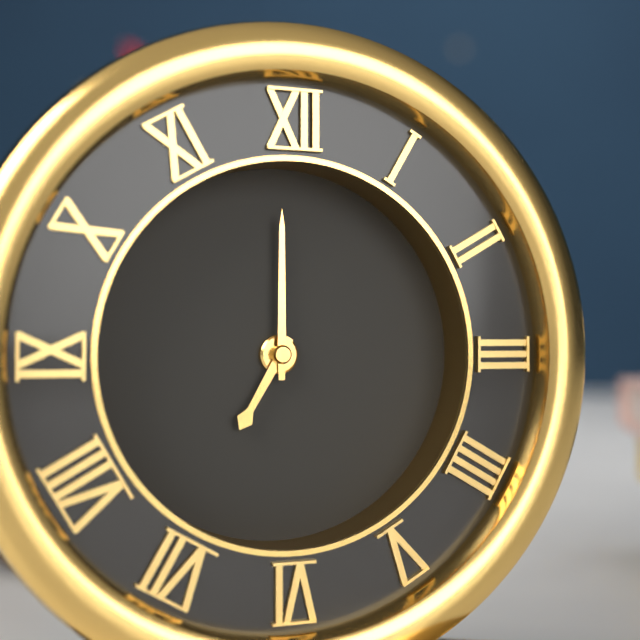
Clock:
7.00
